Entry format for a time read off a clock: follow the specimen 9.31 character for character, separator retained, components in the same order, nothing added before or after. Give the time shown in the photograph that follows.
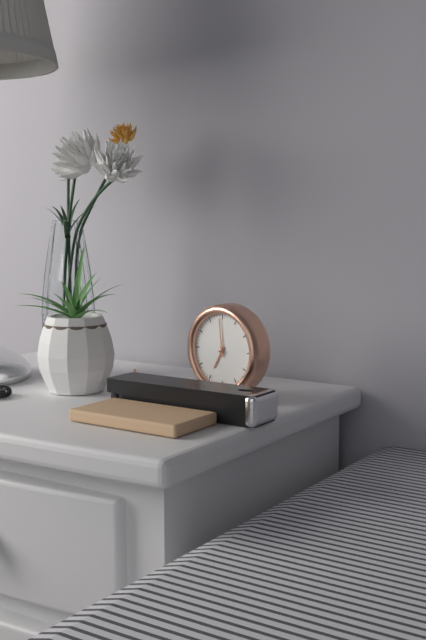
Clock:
6.59
